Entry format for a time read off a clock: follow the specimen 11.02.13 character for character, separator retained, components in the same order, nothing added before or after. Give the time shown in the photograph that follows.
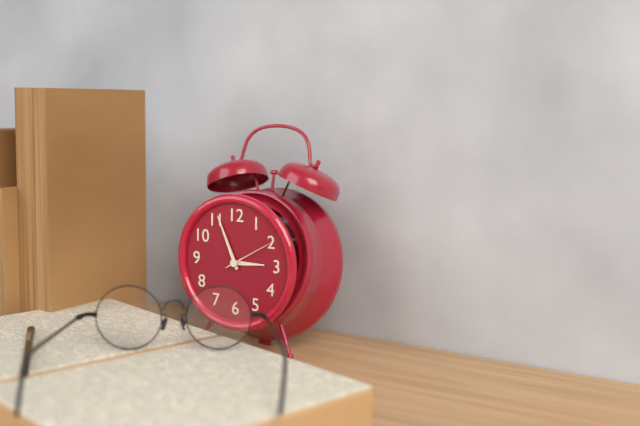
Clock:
2.56.10
